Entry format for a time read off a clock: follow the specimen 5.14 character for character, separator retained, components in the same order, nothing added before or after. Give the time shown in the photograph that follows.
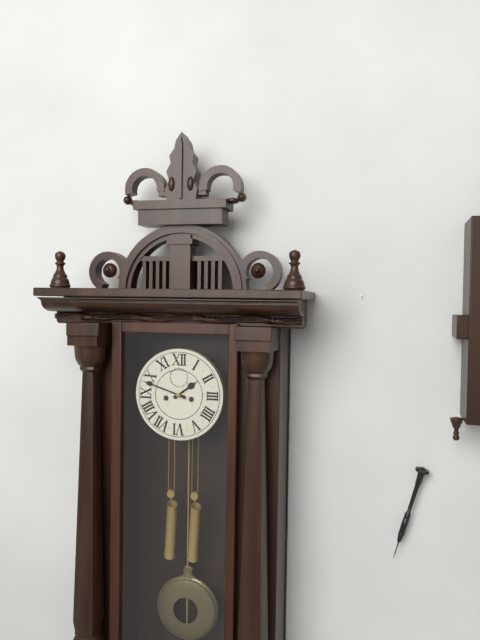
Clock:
1.48
